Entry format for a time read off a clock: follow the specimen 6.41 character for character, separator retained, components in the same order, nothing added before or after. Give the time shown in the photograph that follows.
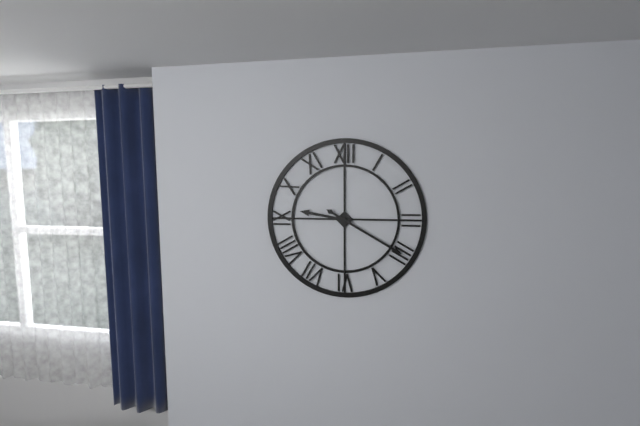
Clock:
9.20
